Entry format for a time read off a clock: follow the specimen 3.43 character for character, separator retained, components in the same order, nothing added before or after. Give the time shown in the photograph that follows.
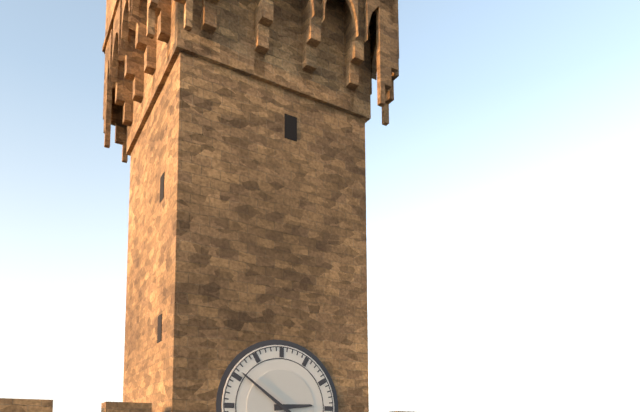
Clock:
2.51
